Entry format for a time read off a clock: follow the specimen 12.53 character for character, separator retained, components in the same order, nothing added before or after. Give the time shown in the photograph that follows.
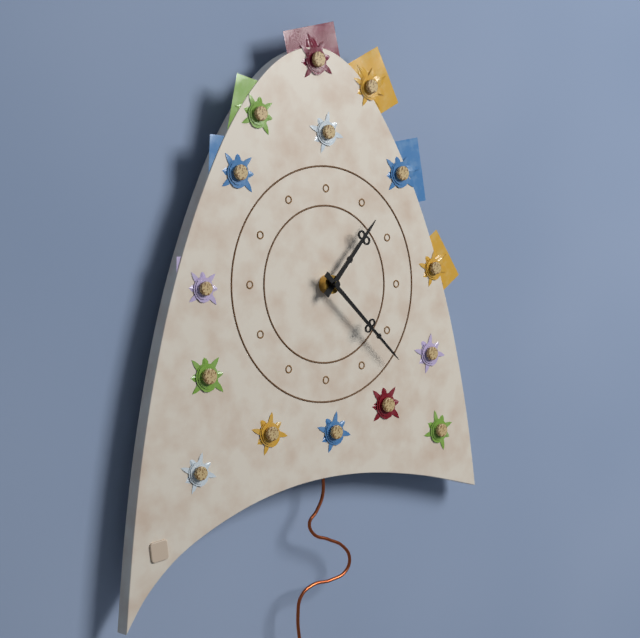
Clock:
1.22
